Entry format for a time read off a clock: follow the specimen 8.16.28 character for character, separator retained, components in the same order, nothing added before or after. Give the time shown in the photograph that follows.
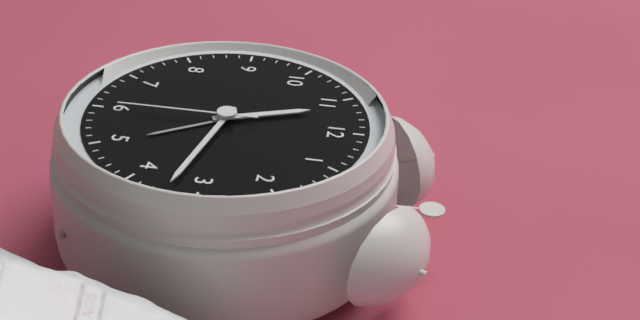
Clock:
11.17.30
